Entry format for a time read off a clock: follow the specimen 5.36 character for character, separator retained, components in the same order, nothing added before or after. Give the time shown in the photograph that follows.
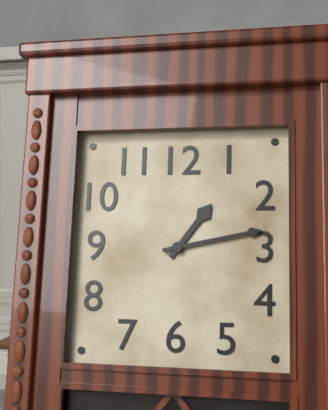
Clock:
1.13
